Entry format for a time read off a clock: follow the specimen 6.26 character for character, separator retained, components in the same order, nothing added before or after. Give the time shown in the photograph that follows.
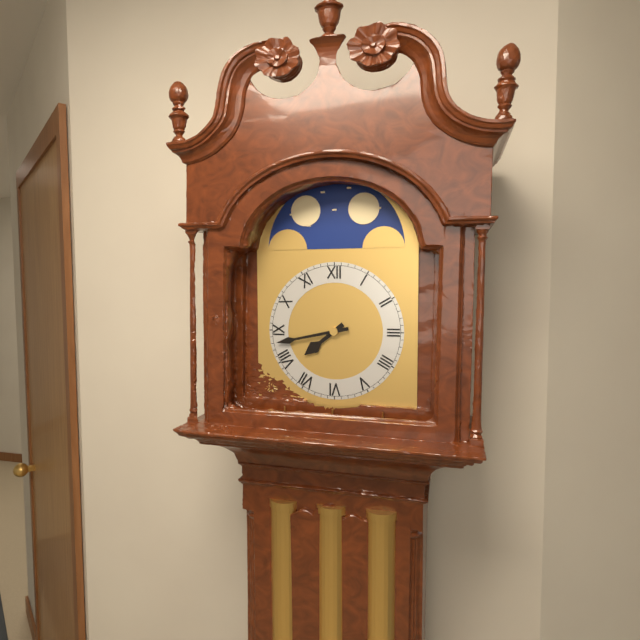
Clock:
7.43
